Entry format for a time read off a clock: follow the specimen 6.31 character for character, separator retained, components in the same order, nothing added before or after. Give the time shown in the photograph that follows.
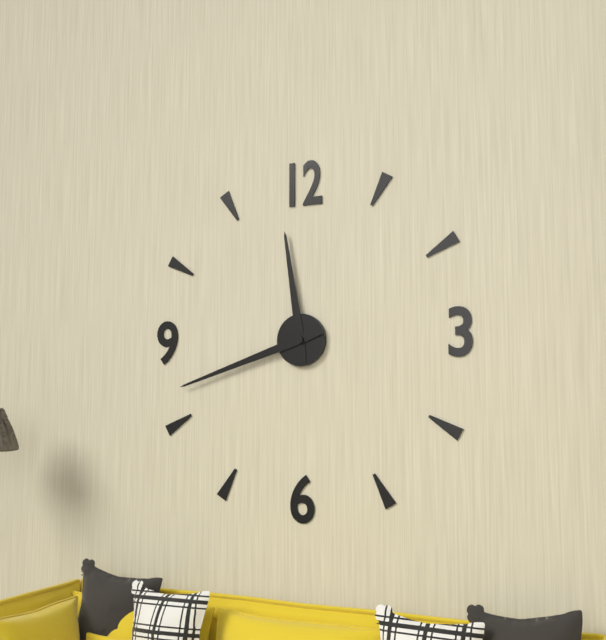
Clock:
11.42
